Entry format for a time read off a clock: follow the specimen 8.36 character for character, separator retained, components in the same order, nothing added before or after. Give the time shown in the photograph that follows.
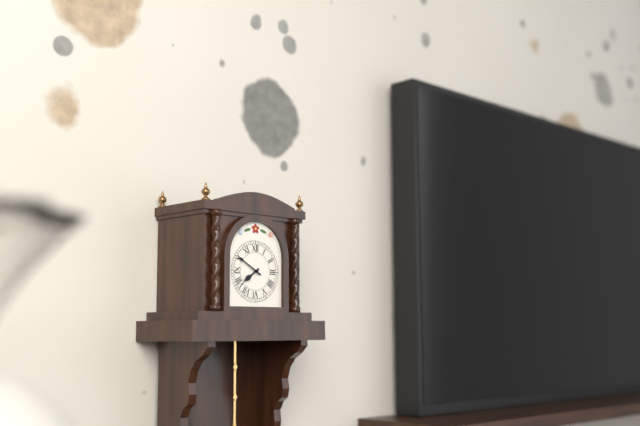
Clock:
7.50
